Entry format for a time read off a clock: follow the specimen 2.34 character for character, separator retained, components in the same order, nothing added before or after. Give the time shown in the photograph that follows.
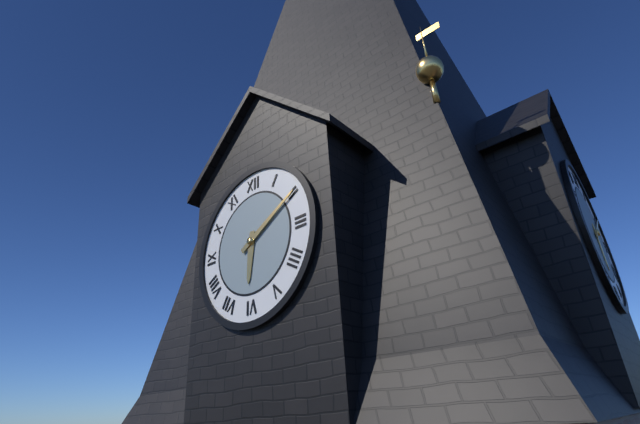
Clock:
6.10
